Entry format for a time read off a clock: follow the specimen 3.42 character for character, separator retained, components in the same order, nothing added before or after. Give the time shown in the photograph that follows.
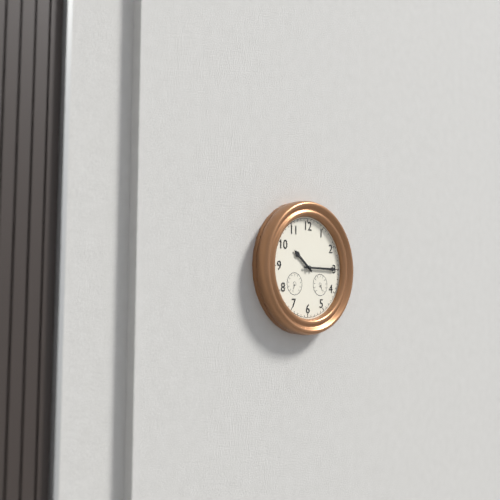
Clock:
10.15
